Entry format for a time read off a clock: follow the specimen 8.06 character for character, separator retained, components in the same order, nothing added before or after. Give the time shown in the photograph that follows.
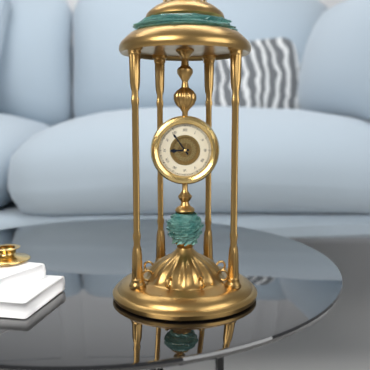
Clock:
8.54
